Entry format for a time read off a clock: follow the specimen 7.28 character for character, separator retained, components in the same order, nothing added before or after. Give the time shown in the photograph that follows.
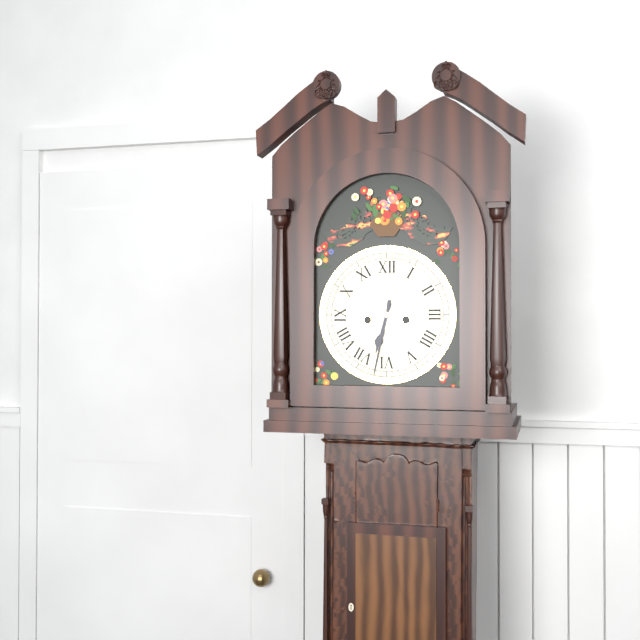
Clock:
6.32
